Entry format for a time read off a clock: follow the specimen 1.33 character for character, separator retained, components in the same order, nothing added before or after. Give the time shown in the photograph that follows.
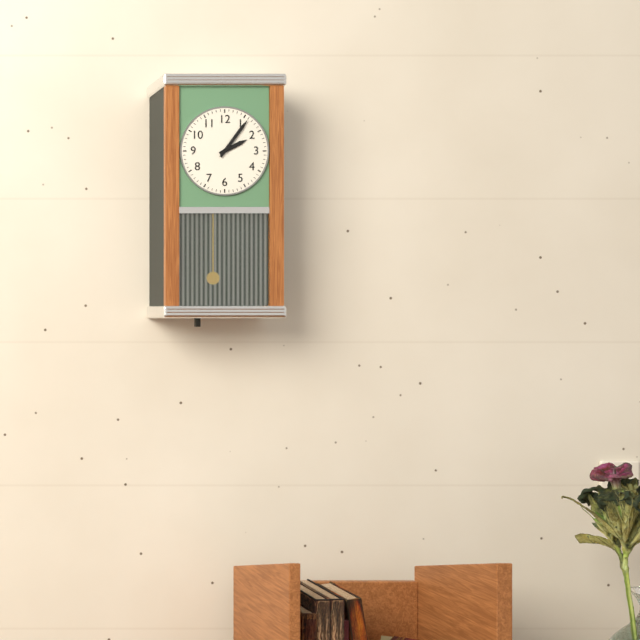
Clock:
2.06
